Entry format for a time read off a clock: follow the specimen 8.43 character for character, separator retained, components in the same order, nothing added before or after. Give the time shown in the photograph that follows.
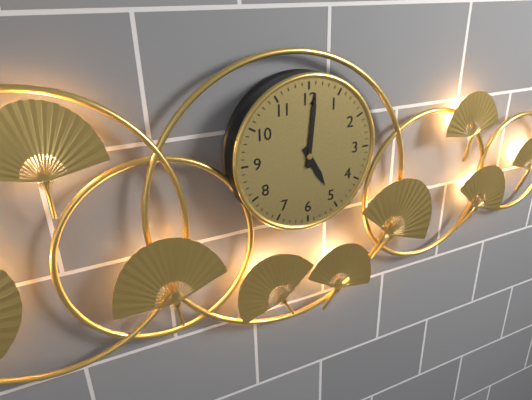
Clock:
5.01
